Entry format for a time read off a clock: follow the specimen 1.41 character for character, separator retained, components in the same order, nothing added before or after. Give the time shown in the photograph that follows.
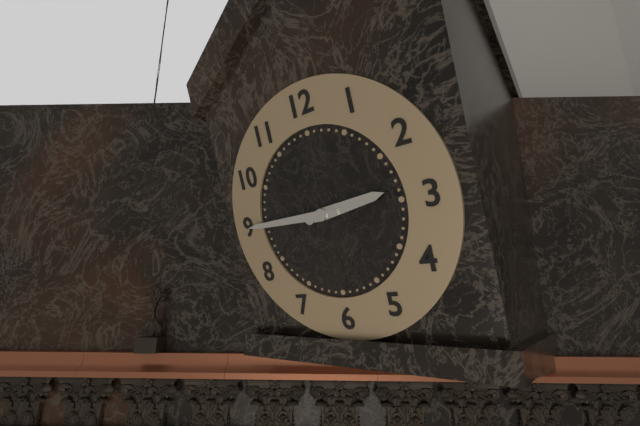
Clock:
2.45
